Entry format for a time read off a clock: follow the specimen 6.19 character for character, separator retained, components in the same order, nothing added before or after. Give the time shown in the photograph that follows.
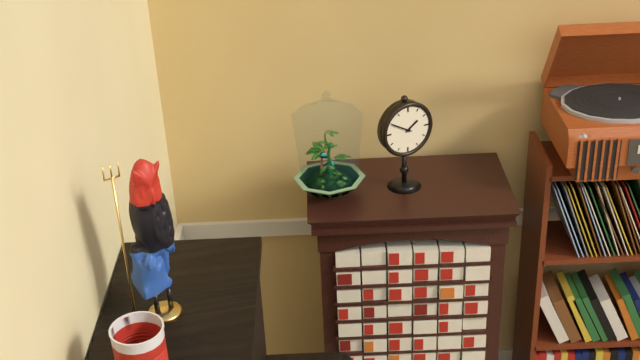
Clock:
1.50
